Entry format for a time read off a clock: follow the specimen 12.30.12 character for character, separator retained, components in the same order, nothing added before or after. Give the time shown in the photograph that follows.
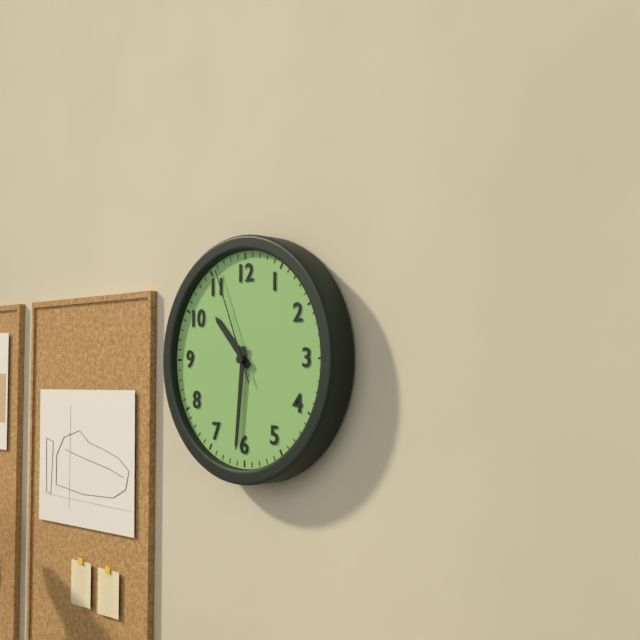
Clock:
10.31.56
